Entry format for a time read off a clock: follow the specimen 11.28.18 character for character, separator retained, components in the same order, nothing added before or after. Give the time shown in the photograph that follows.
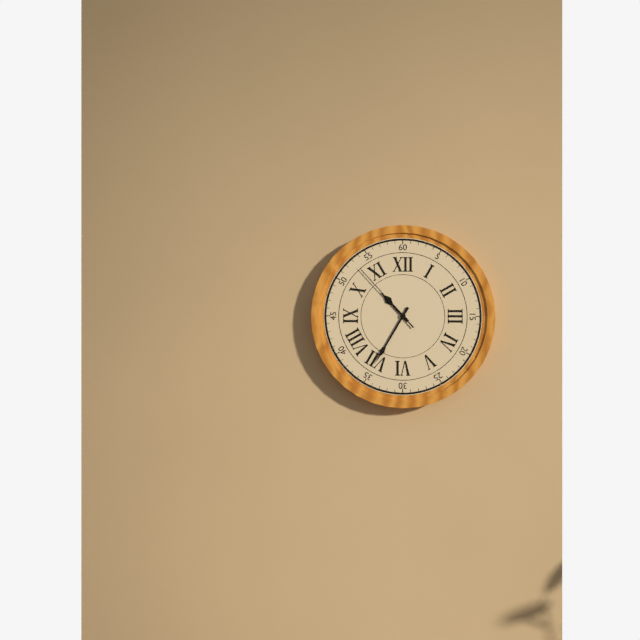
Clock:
10.35.53
